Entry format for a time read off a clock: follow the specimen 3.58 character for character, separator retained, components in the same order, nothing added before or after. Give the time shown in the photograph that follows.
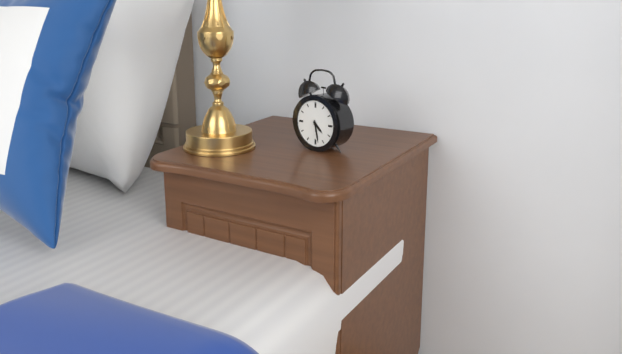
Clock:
4.28
